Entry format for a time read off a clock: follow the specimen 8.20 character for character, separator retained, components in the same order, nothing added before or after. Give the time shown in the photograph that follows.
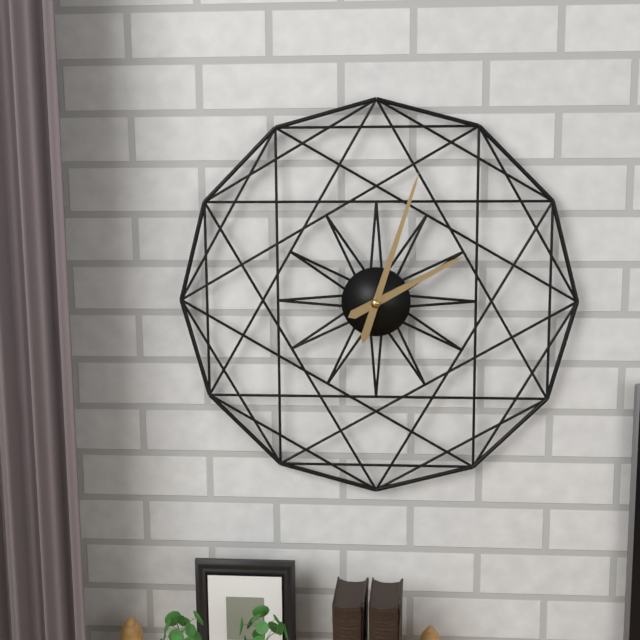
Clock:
2.03
